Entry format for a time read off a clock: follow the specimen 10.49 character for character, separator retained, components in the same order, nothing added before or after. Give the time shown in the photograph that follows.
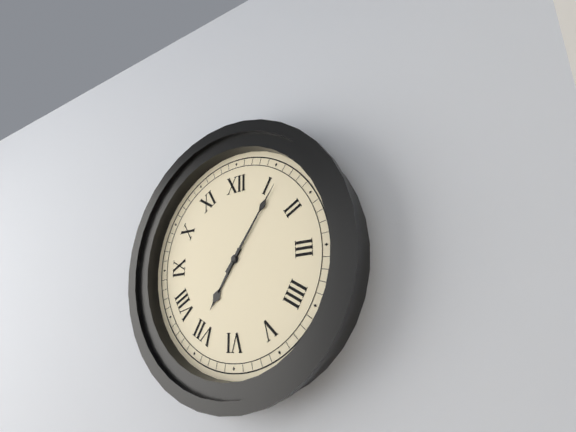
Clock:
7.06
